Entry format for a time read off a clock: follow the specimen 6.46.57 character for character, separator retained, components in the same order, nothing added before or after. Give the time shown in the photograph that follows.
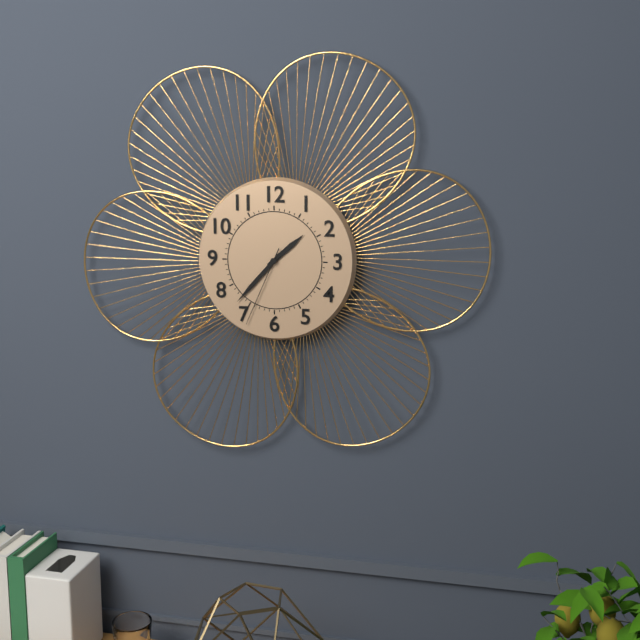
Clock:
1.37.34
